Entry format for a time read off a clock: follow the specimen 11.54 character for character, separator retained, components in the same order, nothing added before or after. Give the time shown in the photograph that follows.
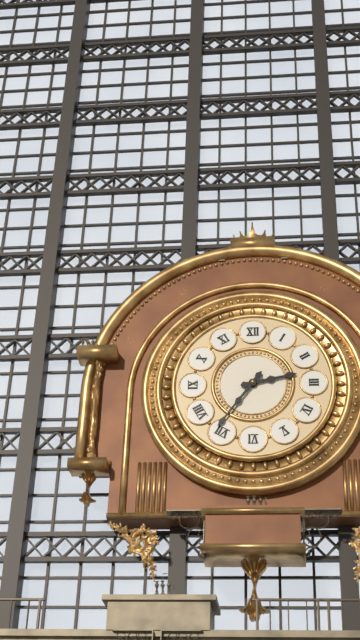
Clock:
2.36
